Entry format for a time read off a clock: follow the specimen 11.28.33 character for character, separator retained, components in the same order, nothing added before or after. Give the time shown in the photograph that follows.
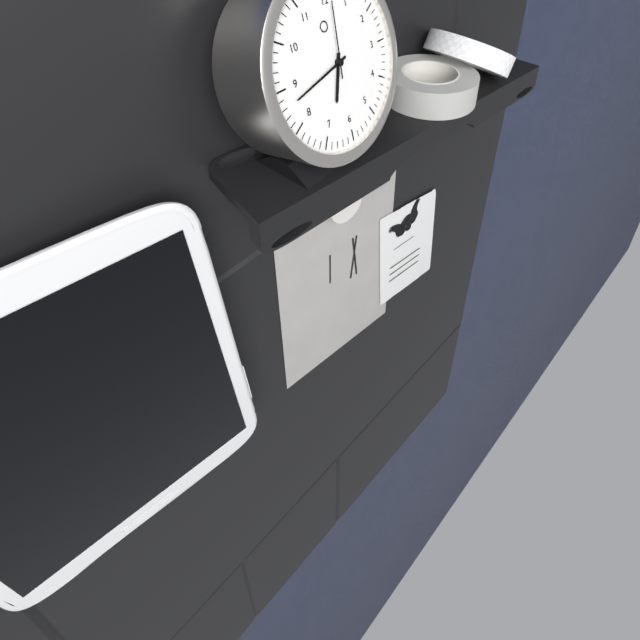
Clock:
6.43.01
